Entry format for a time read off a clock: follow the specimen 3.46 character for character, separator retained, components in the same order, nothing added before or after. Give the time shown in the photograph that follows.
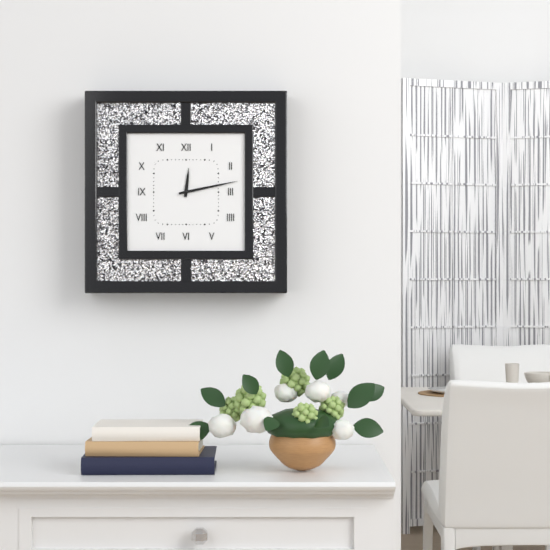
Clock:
12.13
